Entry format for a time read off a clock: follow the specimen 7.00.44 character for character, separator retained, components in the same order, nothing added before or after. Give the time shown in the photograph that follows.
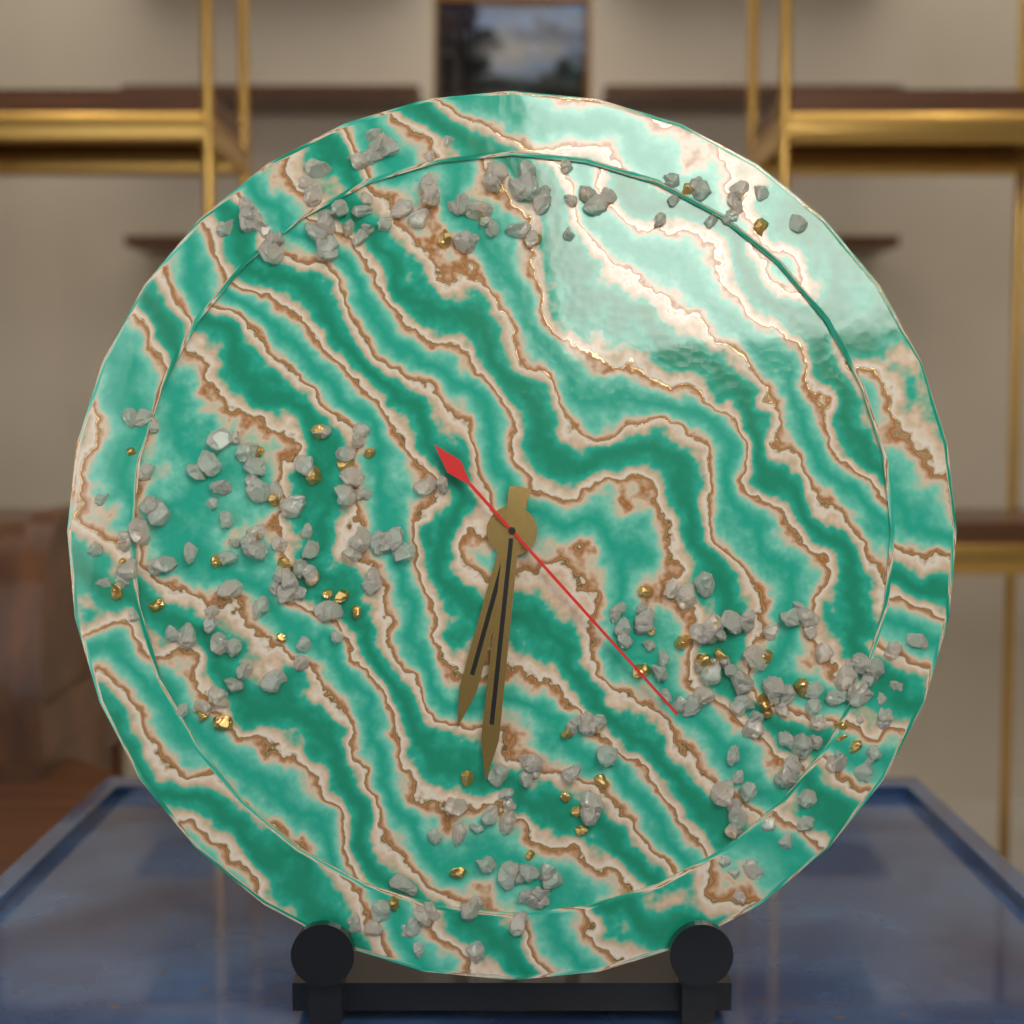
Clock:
6.31.23
